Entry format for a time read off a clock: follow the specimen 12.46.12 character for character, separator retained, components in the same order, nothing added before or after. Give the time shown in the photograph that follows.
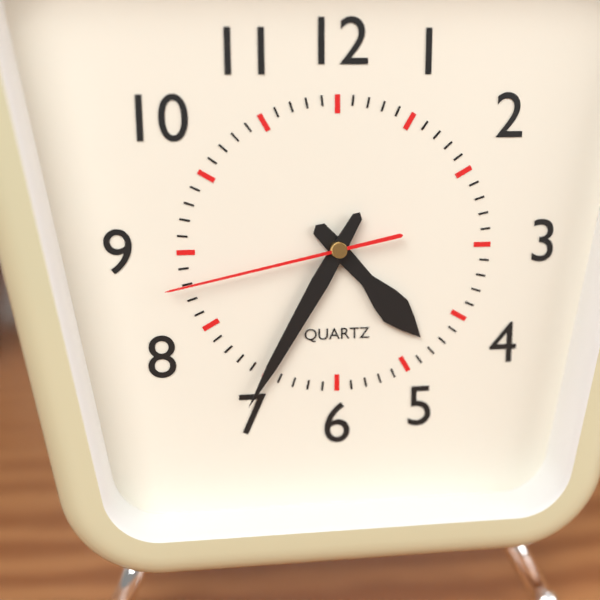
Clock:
4.35.43
